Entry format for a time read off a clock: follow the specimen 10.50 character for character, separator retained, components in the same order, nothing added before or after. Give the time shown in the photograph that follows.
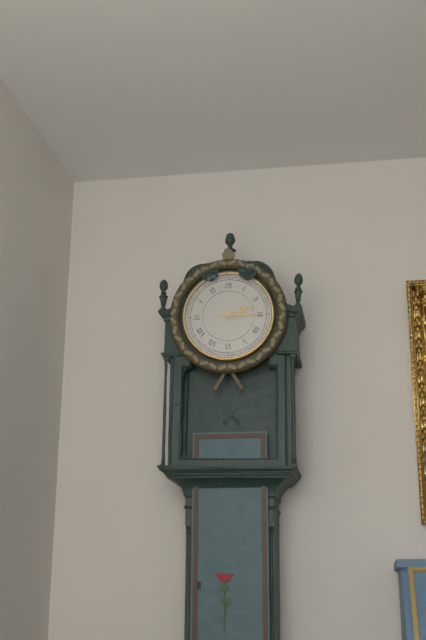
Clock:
2.15
